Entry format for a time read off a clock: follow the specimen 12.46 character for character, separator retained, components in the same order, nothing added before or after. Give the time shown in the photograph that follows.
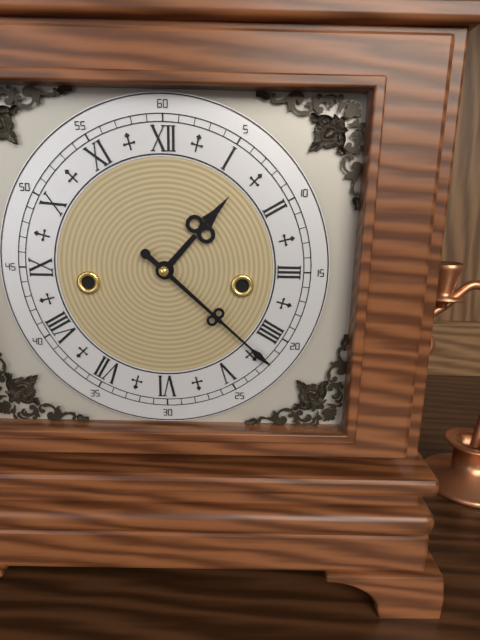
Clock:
1.22
